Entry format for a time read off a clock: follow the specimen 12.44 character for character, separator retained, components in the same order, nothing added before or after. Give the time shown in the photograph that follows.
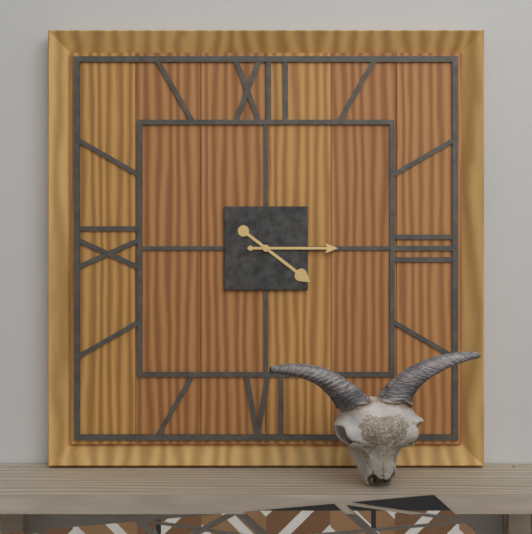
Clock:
4.15
